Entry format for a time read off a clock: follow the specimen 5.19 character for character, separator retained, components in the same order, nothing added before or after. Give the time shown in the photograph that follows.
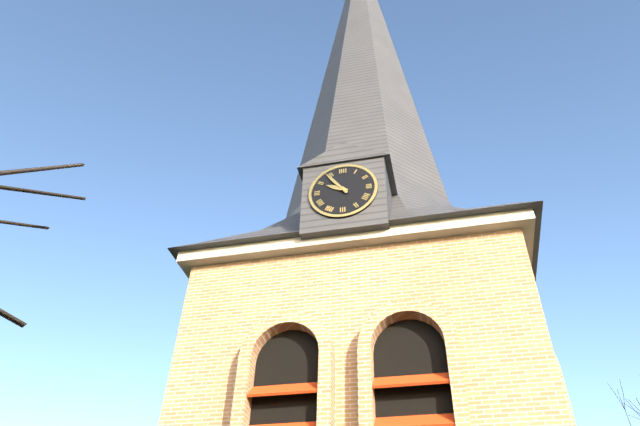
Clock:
9.54
